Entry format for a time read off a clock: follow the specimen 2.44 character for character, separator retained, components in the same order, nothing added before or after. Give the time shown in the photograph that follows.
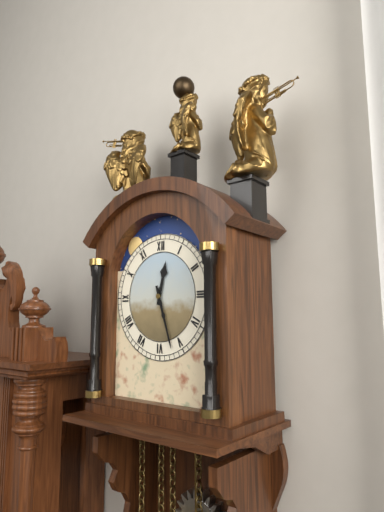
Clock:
12.27
